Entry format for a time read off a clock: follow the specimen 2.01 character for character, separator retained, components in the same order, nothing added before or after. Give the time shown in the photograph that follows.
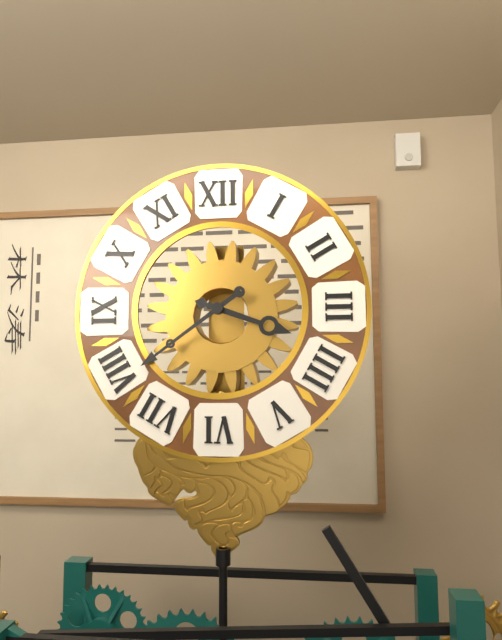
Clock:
3.39
